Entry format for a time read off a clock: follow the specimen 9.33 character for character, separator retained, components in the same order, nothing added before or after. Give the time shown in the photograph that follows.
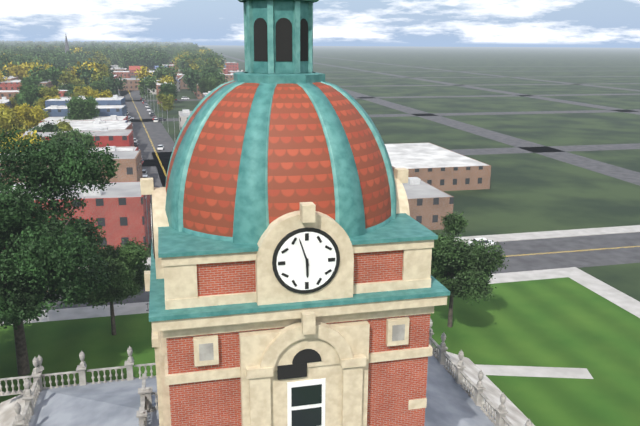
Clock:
5.57
